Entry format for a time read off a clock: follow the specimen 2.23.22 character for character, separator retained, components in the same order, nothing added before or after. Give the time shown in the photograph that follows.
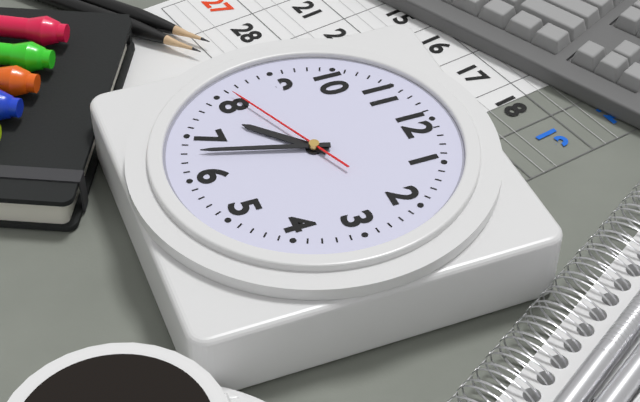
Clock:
7.33.41
